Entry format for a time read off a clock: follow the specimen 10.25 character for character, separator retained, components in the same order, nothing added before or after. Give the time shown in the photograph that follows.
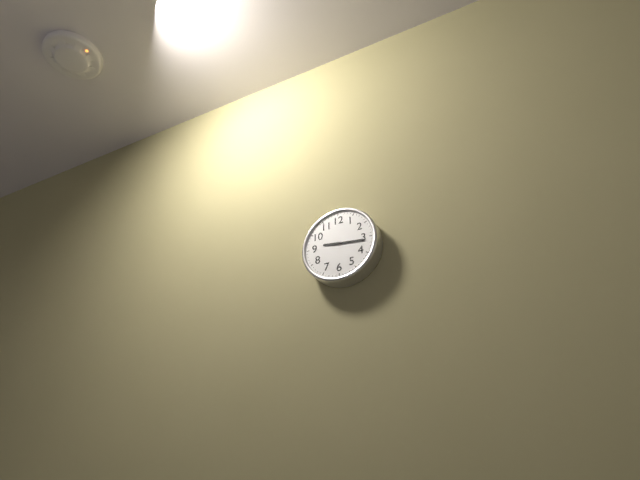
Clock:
9.16
